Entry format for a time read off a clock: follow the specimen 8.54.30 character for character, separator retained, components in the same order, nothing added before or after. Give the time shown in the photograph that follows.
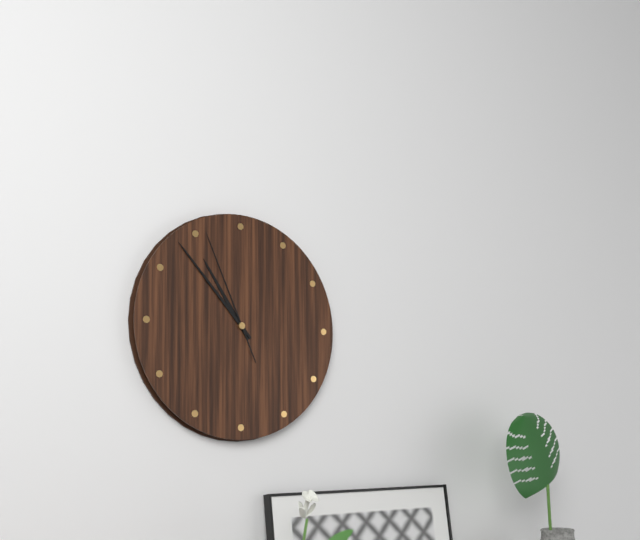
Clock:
10.53.56
